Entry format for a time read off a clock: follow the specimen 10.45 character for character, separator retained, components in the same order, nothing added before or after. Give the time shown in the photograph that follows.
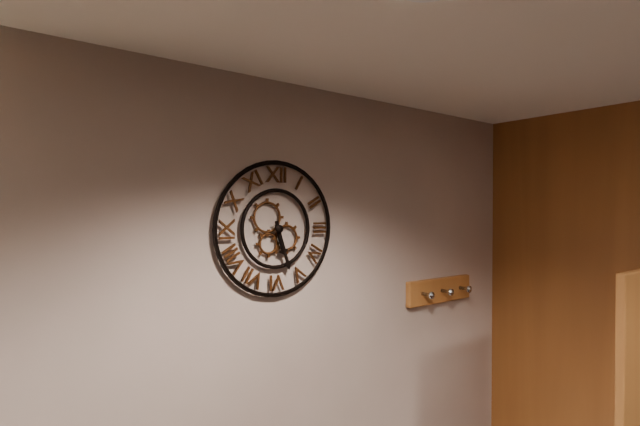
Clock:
5.27
